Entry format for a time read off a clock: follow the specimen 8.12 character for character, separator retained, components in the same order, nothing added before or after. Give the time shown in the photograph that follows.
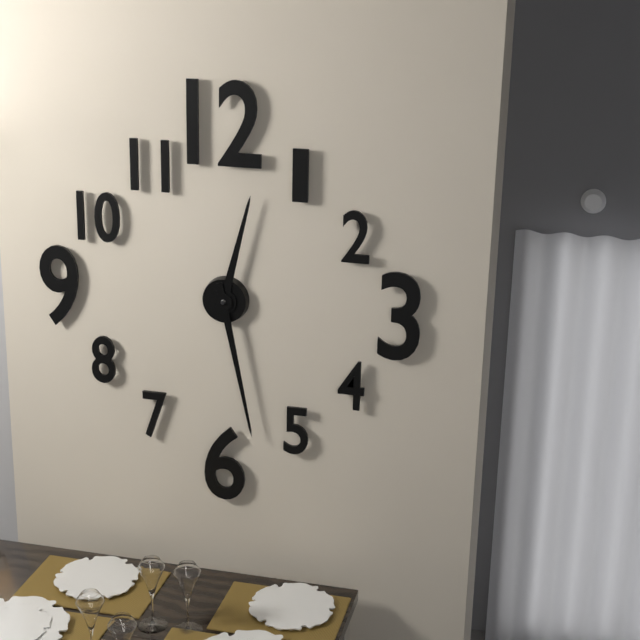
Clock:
12.28
